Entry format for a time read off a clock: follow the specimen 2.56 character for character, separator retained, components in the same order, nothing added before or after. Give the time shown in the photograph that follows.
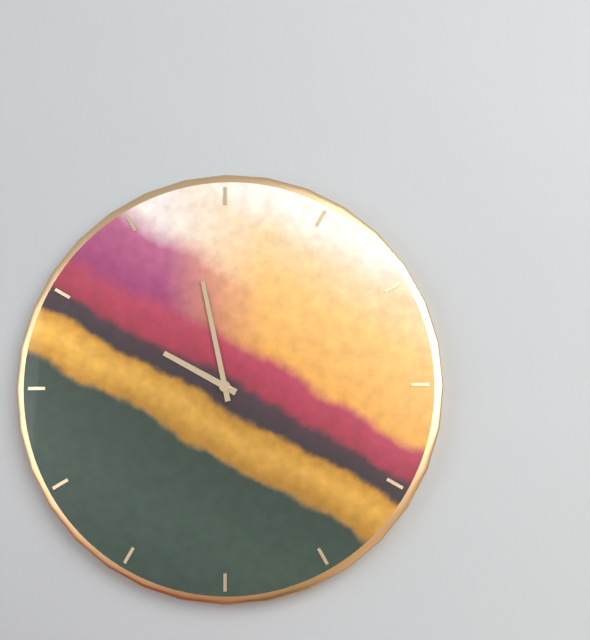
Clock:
9.58
